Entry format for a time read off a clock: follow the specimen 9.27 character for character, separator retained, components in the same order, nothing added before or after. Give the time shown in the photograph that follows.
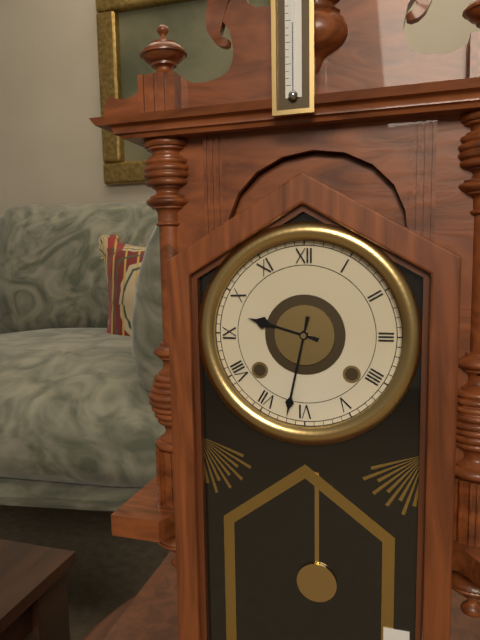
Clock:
9.32
